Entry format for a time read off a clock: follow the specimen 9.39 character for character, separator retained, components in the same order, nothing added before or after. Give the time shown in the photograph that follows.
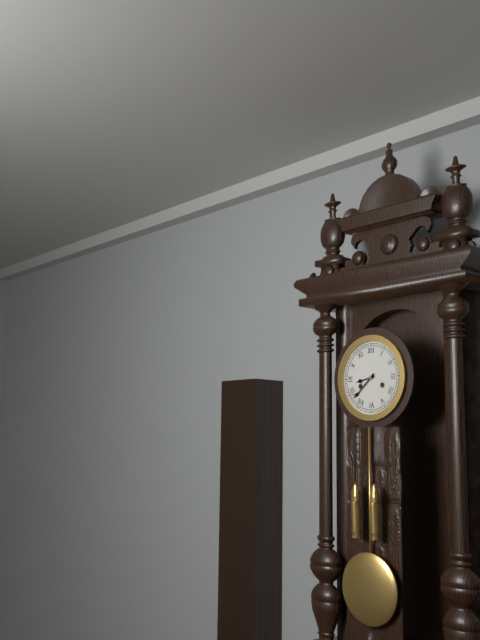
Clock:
8.38
